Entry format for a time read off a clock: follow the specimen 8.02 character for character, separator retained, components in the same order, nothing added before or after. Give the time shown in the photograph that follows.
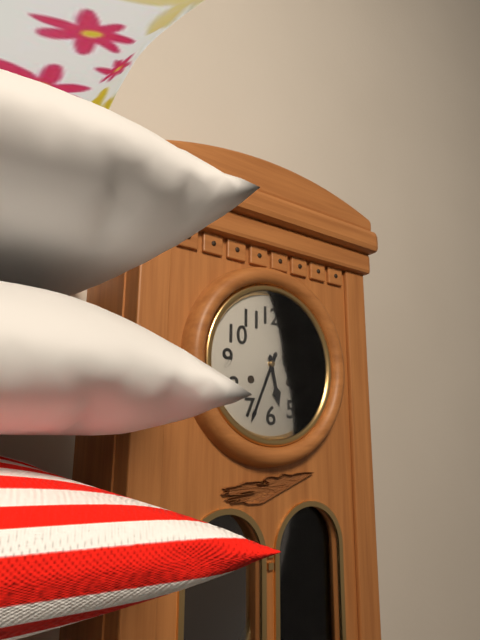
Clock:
5.34
